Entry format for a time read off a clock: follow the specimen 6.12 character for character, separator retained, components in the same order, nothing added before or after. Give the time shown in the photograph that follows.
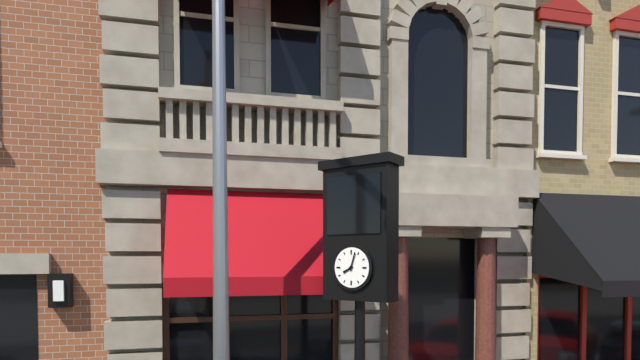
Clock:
8.03
